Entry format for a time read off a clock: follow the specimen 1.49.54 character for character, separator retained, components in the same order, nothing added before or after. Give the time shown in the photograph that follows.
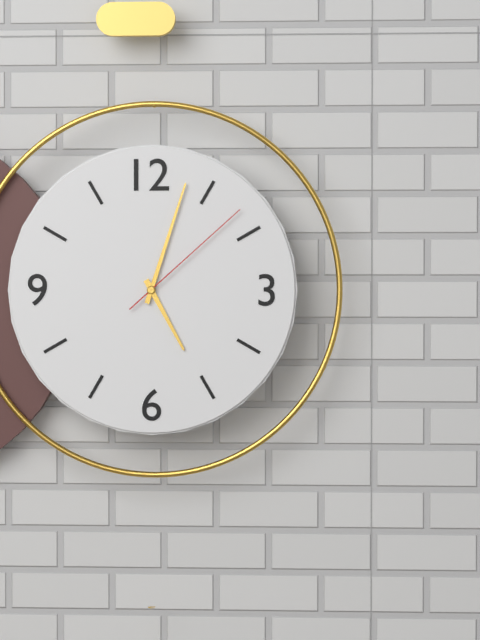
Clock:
5.03.08
